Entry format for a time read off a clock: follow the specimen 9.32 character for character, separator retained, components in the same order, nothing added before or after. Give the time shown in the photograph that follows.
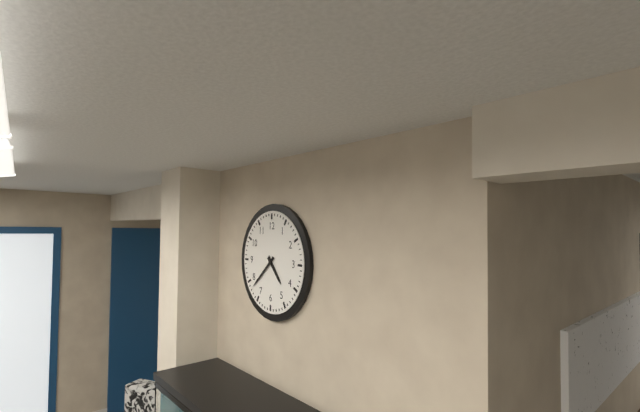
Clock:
4.38
